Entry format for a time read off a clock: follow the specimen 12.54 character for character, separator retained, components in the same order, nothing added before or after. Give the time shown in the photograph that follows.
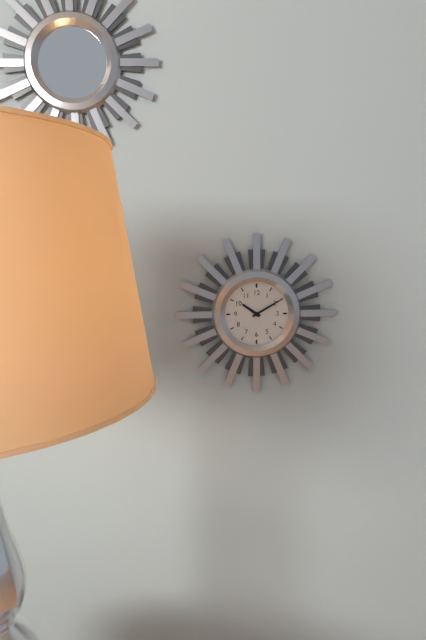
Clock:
10.10
